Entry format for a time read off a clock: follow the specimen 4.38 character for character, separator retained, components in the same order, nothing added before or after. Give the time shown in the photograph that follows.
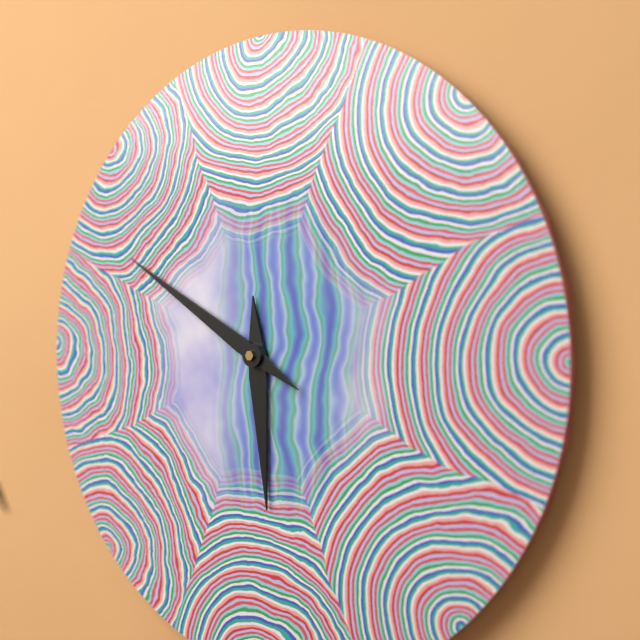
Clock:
5.50
